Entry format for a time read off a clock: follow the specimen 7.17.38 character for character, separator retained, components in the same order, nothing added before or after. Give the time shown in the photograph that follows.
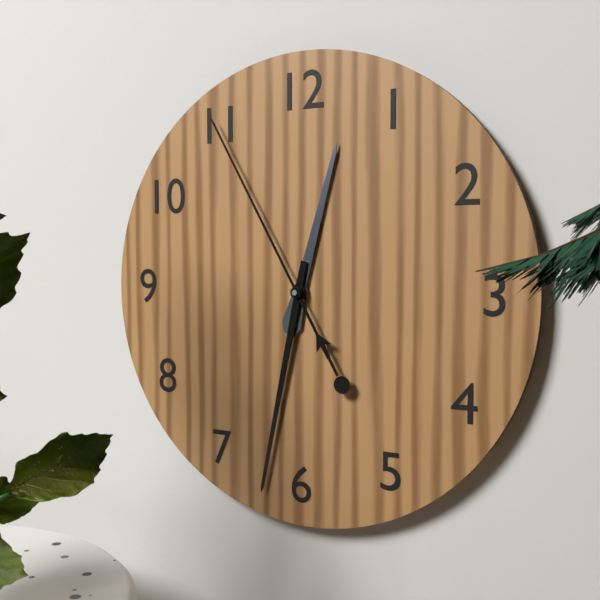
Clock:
12.32.55
